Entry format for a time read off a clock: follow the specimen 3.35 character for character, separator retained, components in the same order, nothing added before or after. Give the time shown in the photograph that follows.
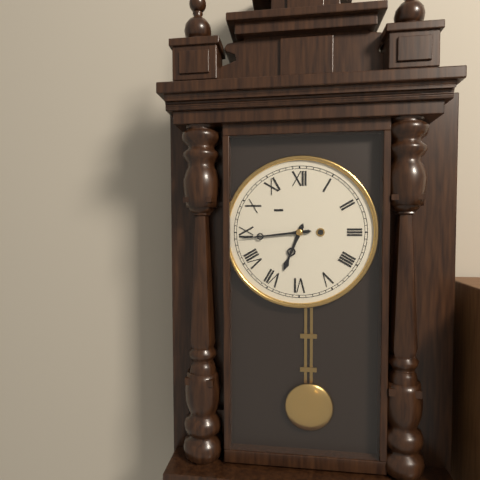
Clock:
6.44
